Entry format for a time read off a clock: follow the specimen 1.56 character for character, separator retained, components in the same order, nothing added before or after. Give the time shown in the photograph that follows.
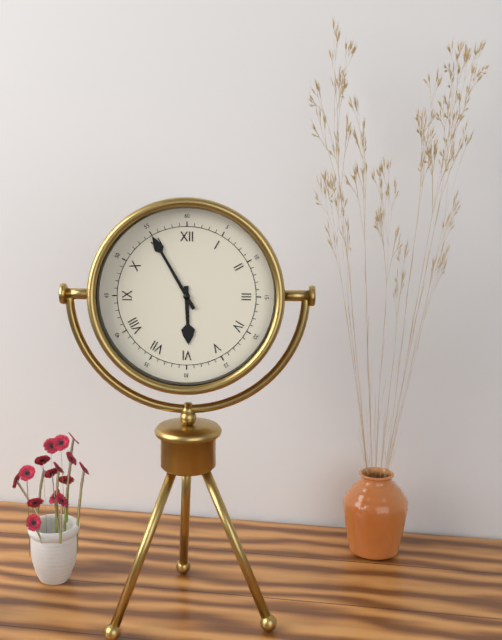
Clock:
5.55
